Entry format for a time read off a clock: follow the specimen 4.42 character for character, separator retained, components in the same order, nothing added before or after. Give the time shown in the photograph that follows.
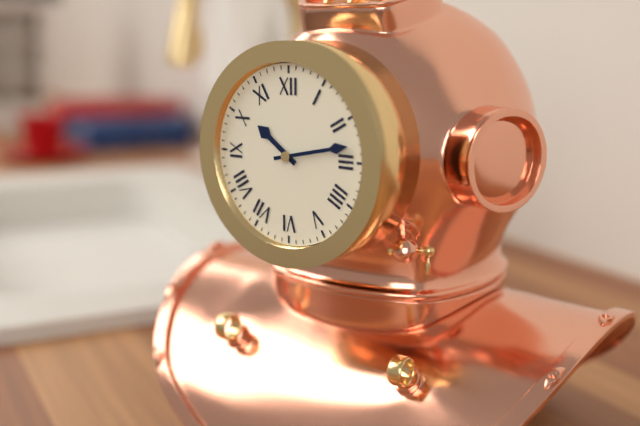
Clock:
10.13
